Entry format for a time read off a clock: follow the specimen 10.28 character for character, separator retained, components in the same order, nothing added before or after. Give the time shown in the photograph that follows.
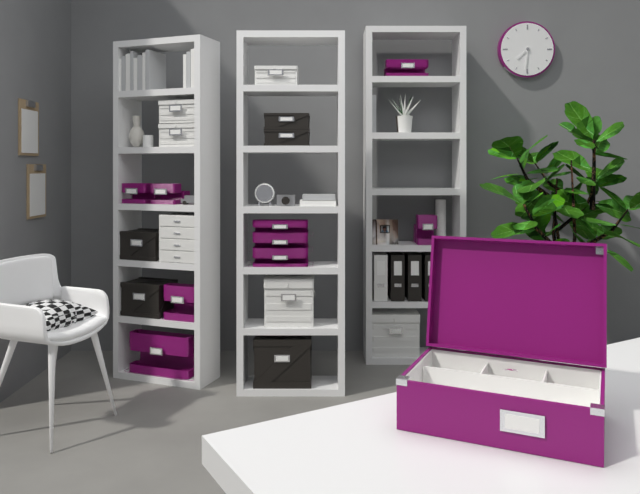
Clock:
7.31
